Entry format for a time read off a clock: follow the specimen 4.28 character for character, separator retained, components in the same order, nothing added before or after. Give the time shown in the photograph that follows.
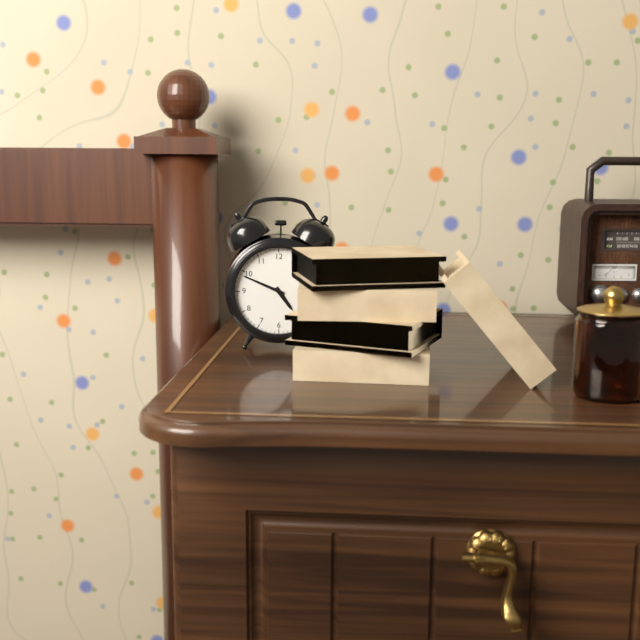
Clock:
4.49
